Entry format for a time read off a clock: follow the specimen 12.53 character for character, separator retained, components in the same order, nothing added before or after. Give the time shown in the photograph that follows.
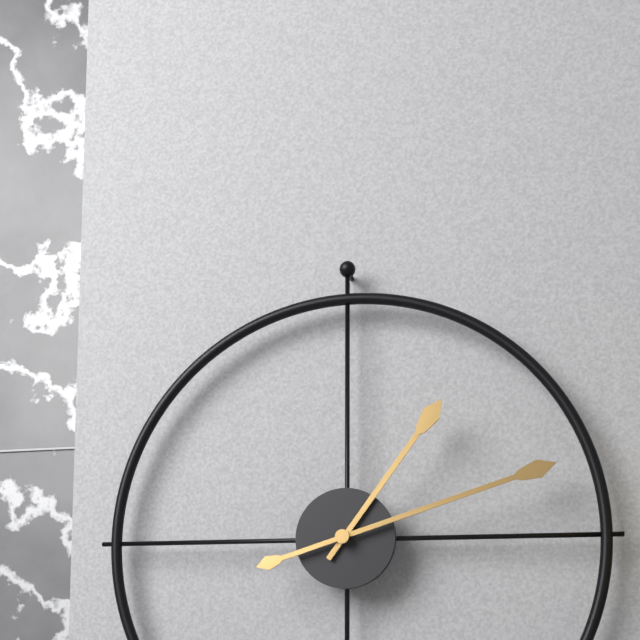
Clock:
1.12
